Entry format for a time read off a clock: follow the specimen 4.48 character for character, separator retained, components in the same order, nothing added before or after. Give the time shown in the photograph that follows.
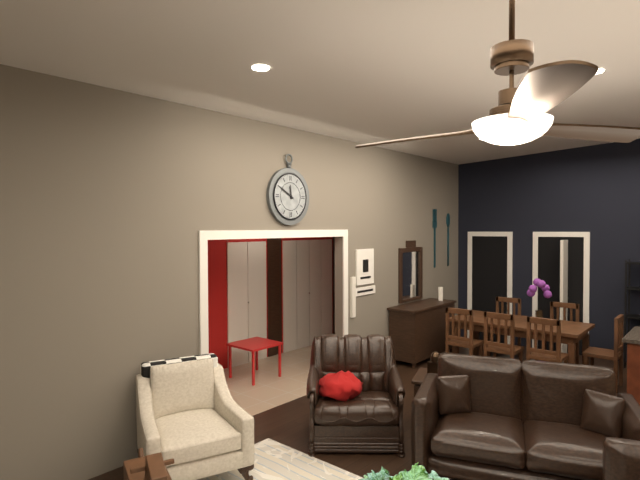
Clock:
11.50
